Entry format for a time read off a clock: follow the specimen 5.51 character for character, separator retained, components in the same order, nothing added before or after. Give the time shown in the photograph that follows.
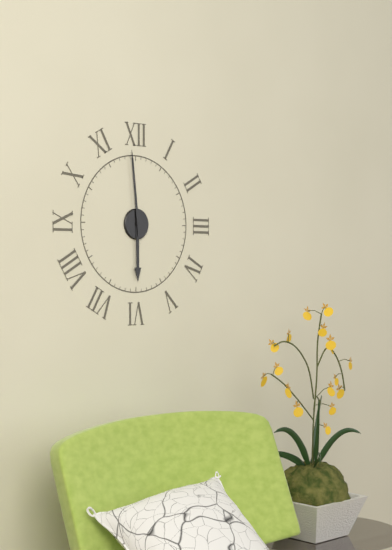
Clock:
5.59
